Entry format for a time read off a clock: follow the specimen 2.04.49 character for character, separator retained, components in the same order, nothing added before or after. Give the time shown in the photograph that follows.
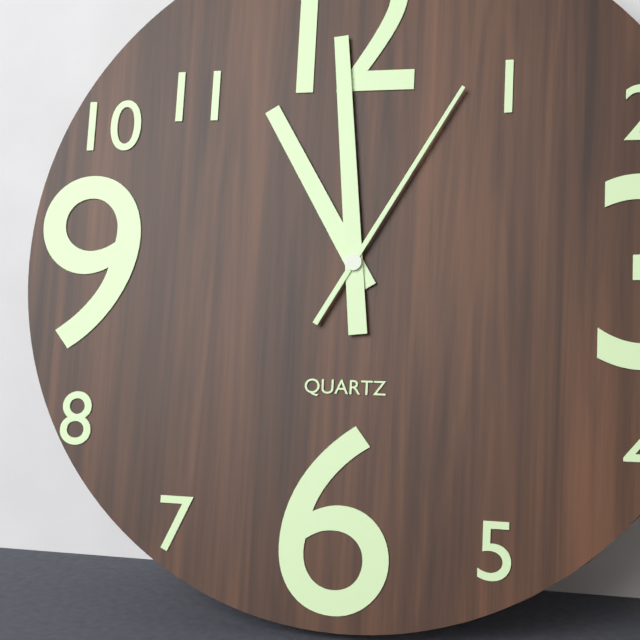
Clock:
10.59.05
